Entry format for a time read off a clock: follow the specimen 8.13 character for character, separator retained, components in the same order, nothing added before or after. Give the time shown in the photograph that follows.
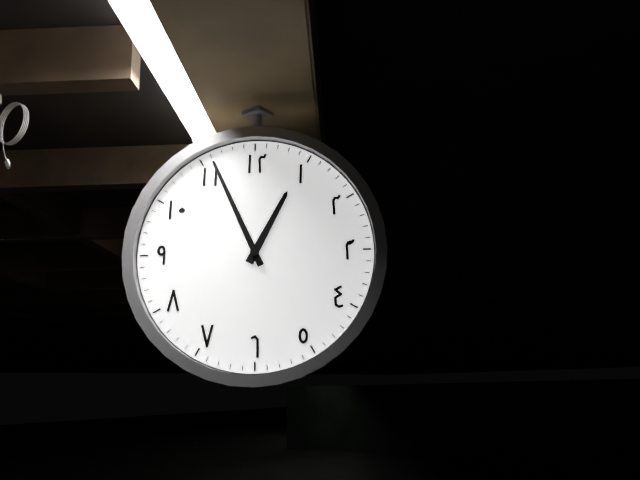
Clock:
12.56
